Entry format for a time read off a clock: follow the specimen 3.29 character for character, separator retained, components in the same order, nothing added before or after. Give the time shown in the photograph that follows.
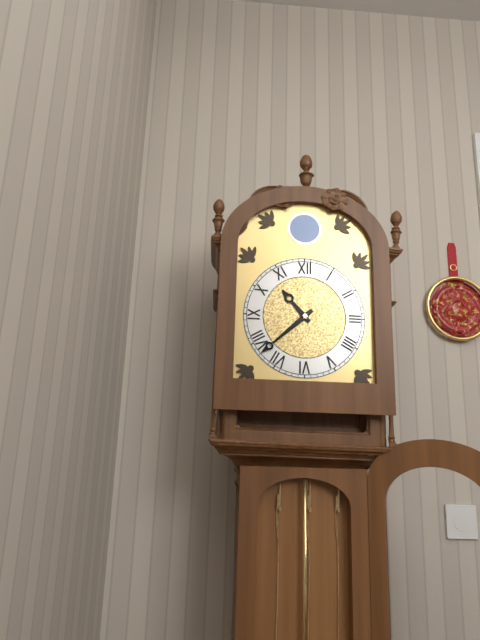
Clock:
10.38
